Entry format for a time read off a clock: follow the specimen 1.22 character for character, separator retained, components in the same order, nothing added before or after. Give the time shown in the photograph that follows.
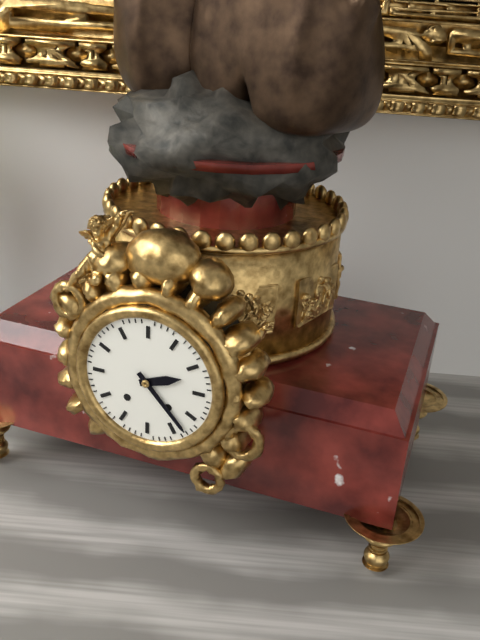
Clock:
2.23
